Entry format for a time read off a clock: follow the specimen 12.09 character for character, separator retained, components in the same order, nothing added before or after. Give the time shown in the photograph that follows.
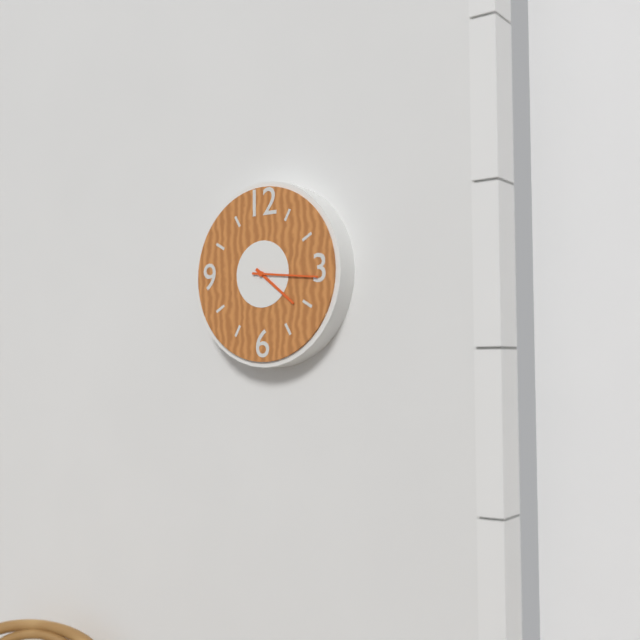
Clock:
4.16
